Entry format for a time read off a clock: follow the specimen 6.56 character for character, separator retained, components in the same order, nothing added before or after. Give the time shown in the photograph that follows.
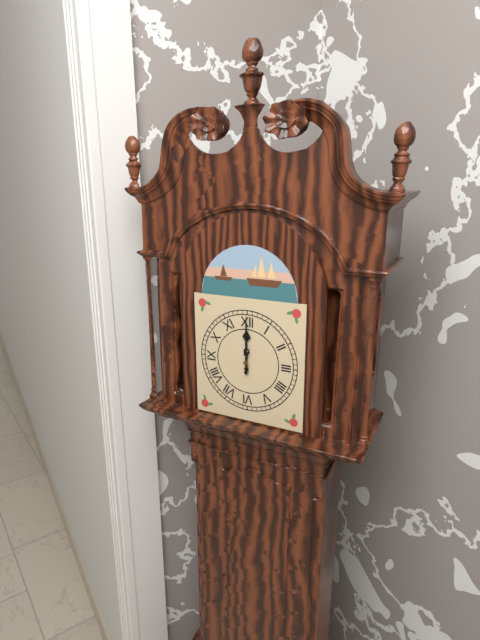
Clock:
12.00
